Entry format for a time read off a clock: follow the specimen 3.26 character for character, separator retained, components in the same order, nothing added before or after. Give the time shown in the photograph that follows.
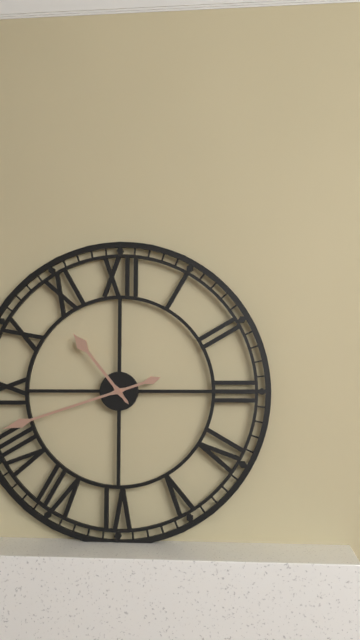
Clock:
10.42
